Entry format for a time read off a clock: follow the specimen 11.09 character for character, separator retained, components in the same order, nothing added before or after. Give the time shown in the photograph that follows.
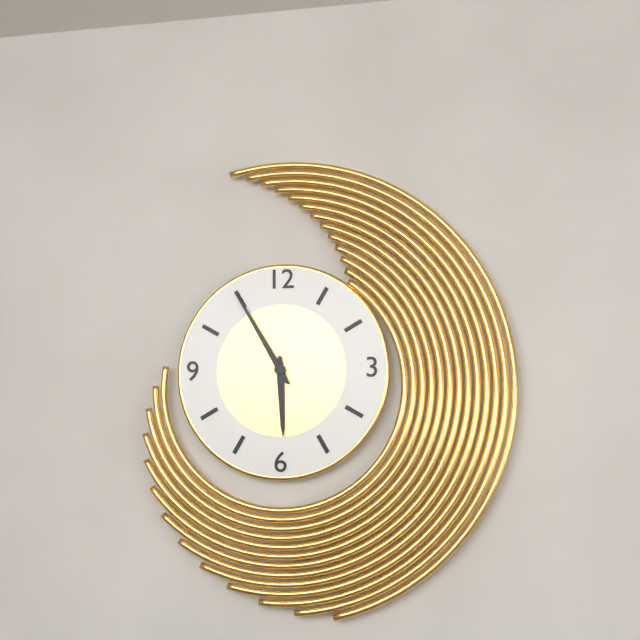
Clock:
5.55
